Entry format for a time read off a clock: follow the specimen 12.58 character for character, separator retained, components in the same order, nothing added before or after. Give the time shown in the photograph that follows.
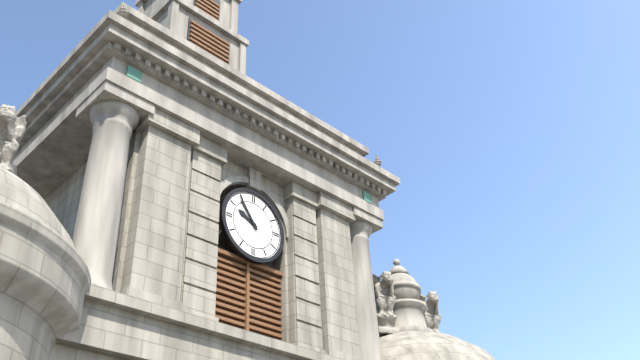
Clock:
9.54
